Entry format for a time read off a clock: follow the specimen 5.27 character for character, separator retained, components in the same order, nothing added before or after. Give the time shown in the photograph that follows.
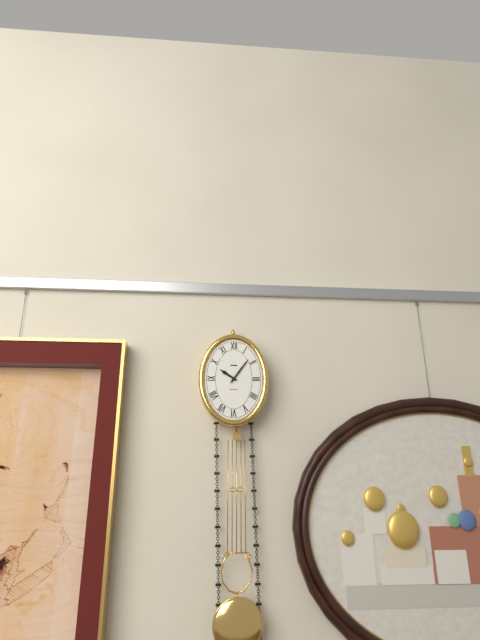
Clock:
10.06
